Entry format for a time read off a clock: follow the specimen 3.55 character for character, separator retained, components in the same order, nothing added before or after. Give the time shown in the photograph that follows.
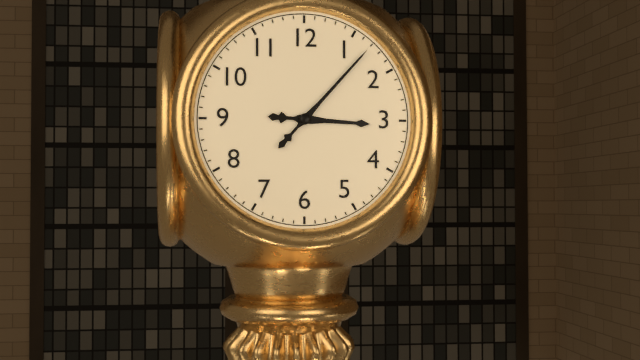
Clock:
3.07
